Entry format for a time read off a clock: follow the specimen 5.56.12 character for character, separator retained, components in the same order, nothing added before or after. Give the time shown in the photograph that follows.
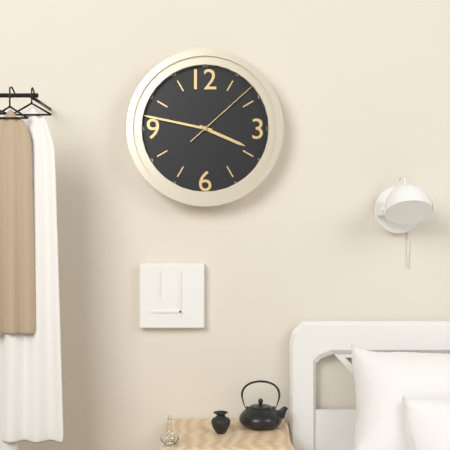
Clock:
3.47.08
